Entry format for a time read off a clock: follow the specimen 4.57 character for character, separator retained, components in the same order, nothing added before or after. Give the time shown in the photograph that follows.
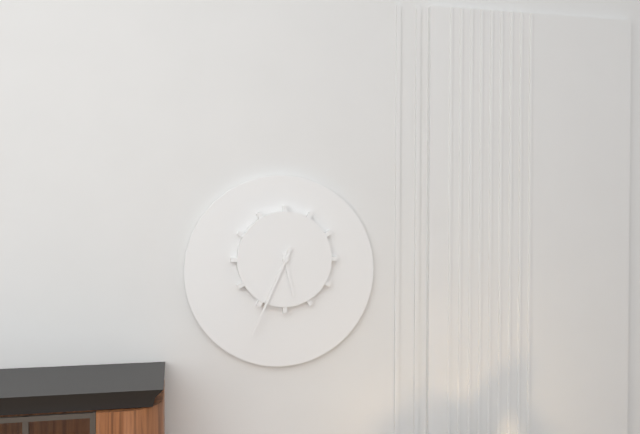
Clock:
5.34
